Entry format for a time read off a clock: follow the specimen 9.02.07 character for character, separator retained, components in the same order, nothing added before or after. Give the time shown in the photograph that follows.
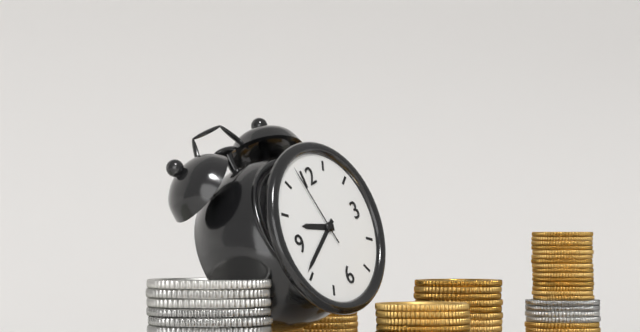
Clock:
9.41.58
